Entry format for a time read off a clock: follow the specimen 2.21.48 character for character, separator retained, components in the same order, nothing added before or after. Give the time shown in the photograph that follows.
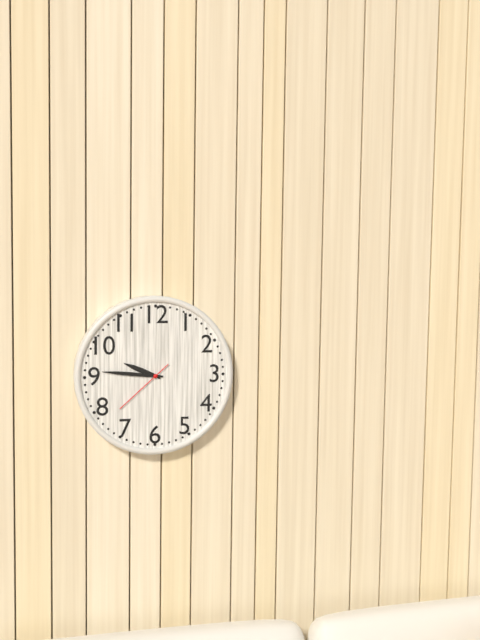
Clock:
9.46.38
